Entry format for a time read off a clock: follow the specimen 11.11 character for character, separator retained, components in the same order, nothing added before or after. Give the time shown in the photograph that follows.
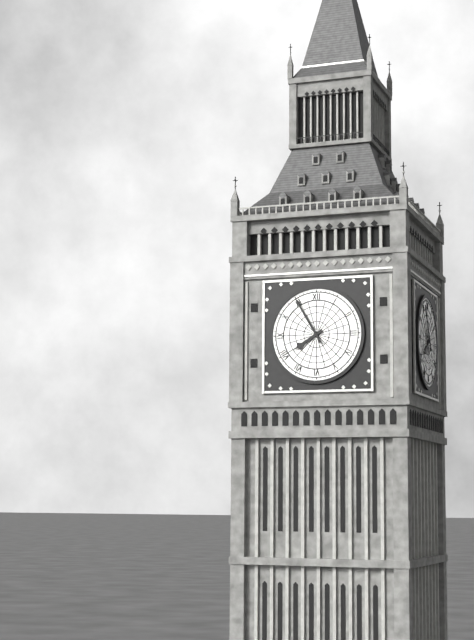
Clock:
7.55
